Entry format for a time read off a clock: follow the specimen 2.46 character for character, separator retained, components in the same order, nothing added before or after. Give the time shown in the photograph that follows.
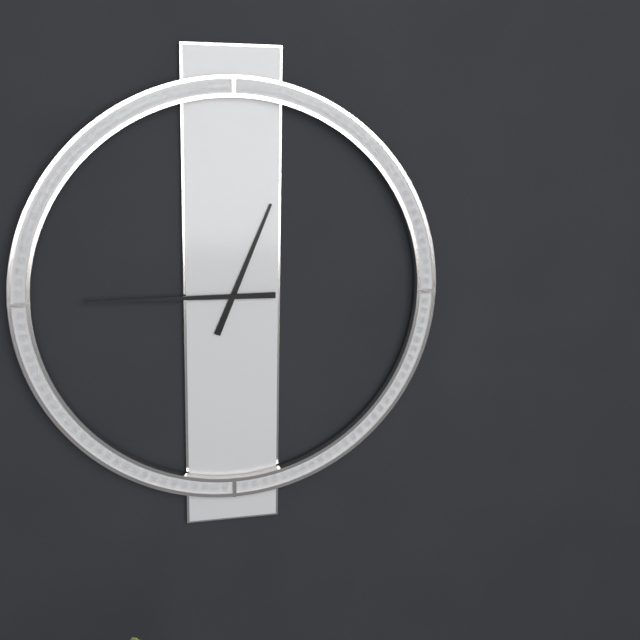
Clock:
12.45
